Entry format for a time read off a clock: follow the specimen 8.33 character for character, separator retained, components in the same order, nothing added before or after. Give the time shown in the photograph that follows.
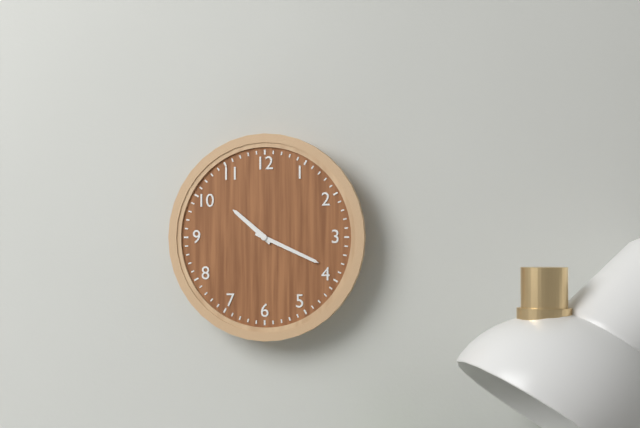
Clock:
10.19
